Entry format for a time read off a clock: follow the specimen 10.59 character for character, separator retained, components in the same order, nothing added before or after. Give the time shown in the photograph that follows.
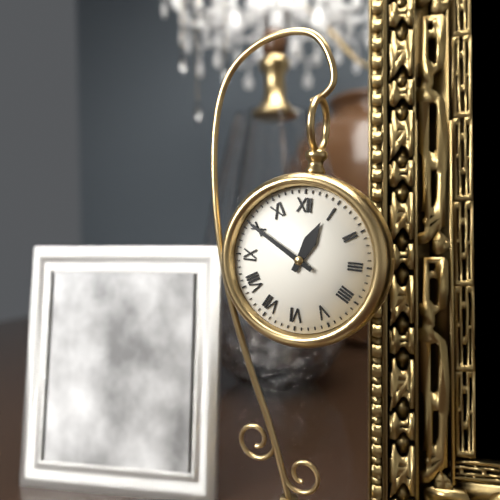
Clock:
12.50
